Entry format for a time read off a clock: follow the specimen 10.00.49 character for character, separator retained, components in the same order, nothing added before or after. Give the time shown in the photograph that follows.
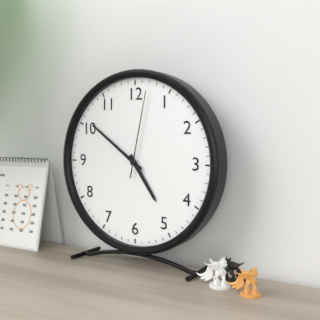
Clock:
4.51.02
